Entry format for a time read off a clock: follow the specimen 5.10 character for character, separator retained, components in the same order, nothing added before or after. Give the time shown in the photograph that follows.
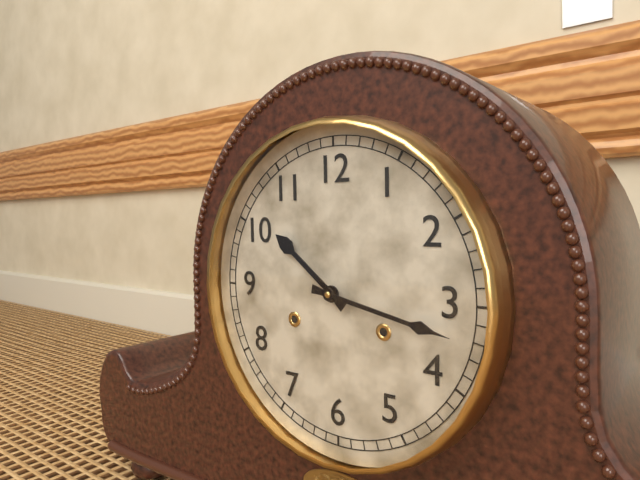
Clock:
10.17
